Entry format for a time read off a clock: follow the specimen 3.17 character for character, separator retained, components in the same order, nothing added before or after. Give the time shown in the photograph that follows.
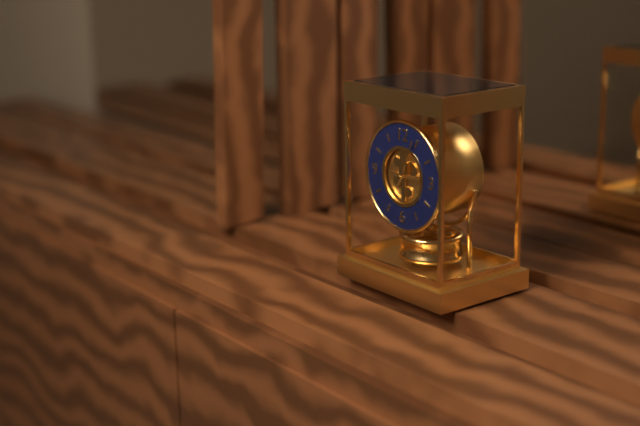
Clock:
12.04
